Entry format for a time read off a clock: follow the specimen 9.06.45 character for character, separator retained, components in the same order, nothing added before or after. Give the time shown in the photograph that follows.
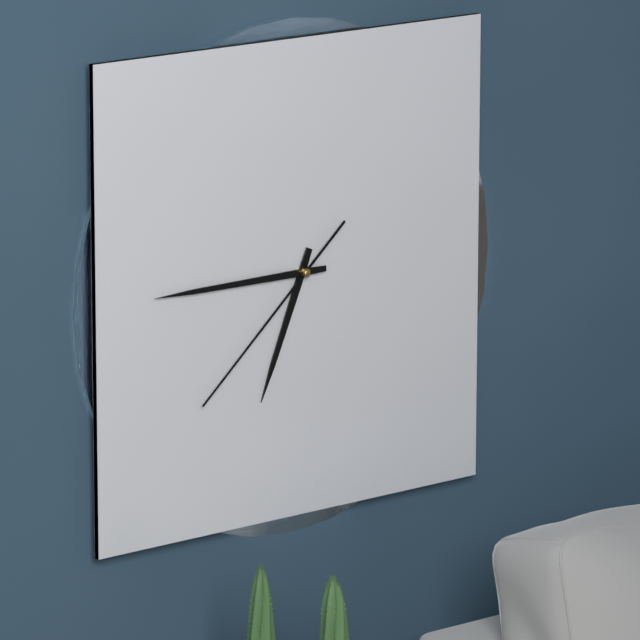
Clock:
6.45.38
